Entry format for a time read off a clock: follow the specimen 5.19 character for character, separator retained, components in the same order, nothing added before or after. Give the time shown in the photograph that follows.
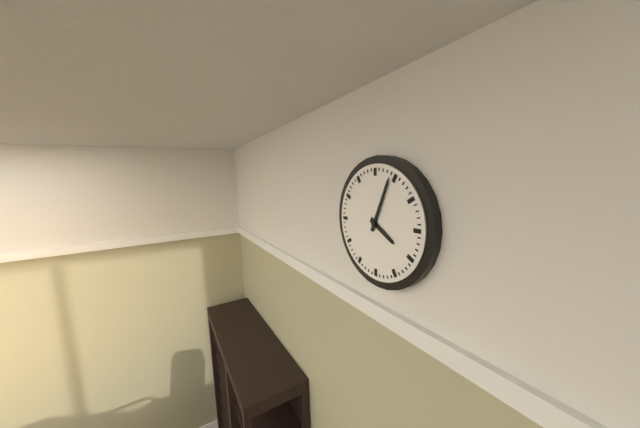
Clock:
4.04
